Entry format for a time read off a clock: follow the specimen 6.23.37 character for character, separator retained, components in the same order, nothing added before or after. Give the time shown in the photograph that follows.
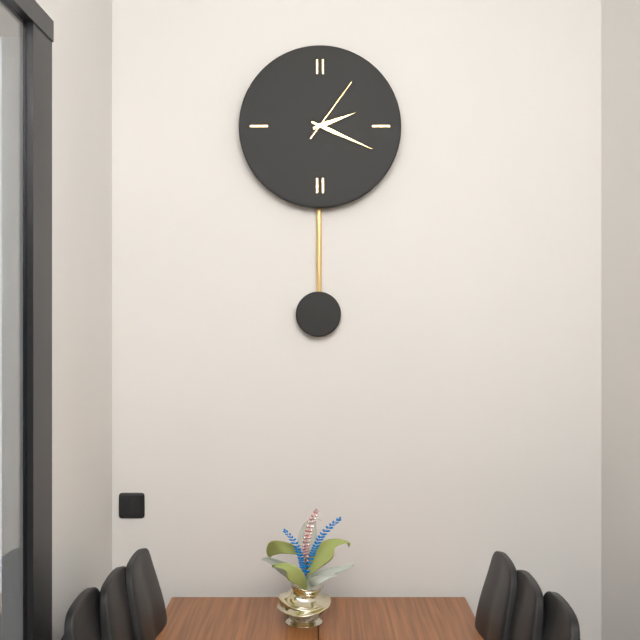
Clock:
2.19.06
